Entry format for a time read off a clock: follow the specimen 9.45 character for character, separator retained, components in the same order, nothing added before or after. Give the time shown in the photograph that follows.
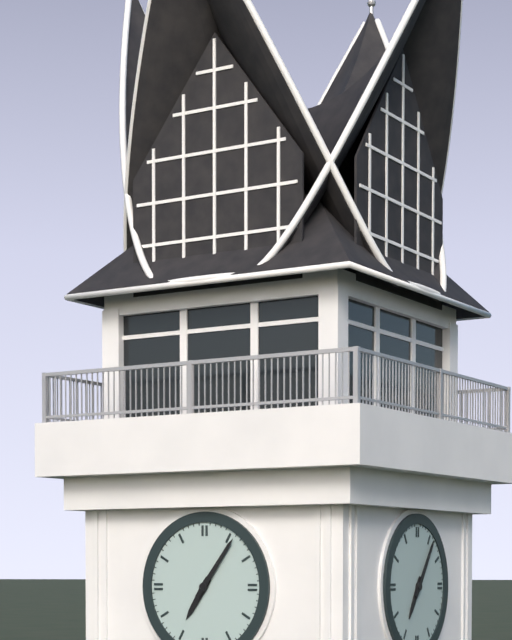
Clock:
7.06
